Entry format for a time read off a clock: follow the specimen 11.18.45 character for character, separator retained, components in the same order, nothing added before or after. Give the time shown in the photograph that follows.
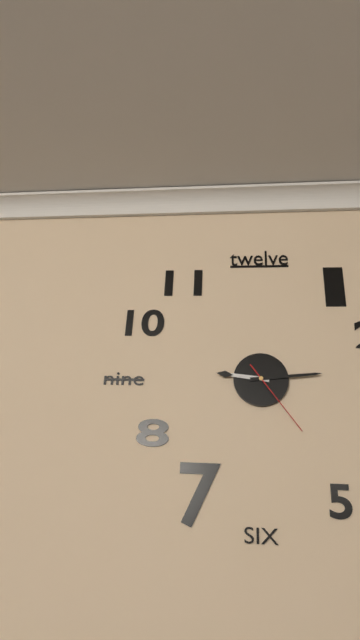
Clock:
9.14.24
